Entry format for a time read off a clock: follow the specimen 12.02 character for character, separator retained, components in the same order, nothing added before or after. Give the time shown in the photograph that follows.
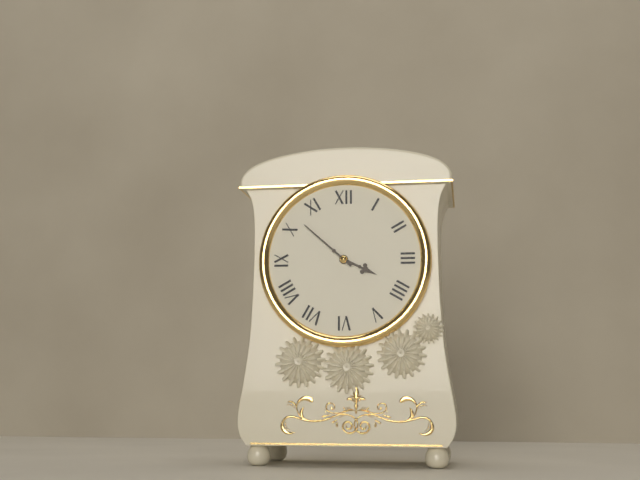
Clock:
3.52
